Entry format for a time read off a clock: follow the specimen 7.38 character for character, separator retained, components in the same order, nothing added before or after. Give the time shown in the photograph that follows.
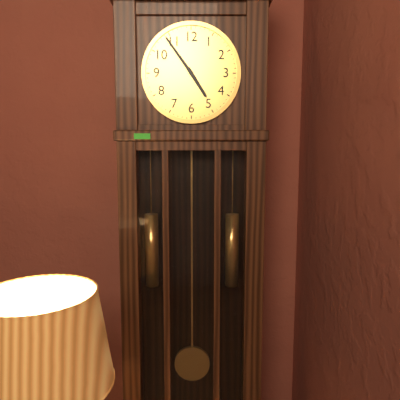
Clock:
4.54
